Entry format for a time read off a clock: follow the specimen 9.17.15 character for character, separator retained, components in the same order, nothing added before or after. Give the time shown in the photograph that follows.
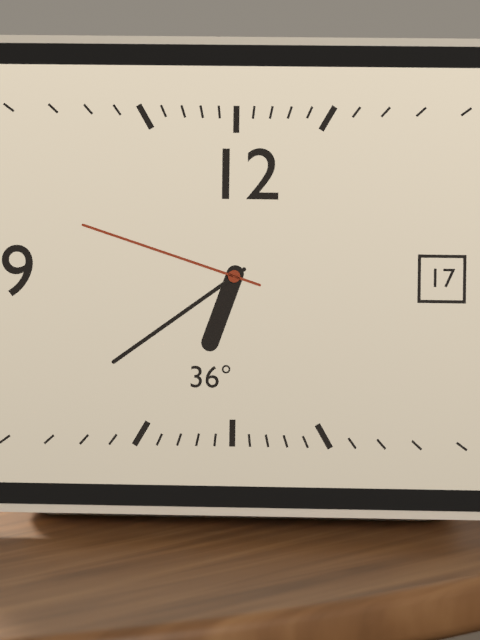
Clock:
6.39.48
